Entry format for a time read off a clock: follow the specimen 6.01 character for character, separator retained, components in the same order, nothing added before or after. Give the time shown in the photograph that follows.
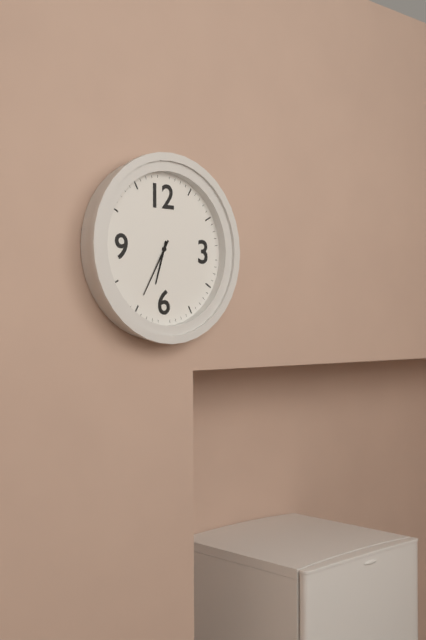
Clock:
6.35
